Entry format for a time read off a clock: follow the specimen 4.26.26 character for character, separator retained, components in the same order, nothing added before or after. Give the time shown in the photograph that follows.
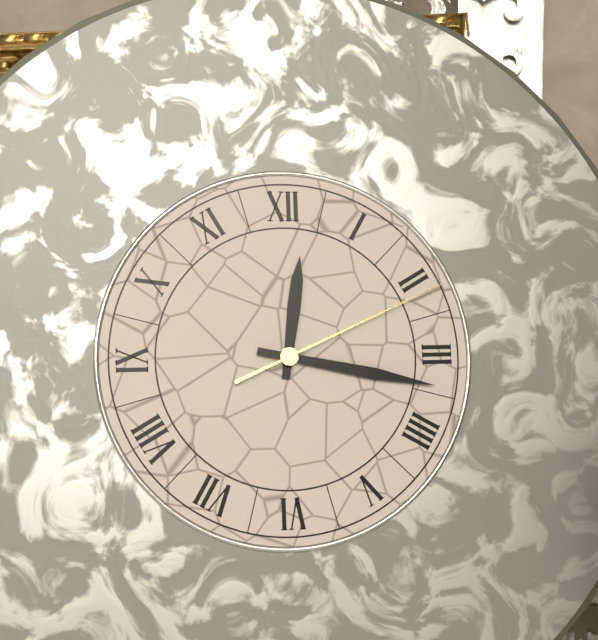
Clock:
12.17.11
